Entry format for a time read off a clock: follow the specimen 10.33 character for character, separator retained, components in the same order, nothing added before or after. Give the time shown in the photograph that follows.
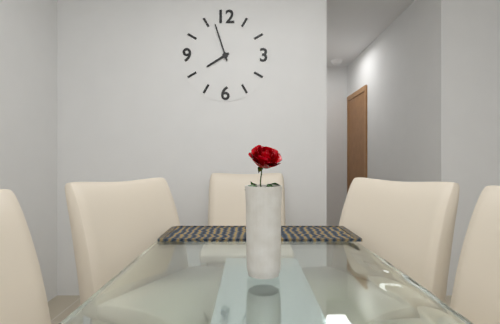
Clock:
7.57
